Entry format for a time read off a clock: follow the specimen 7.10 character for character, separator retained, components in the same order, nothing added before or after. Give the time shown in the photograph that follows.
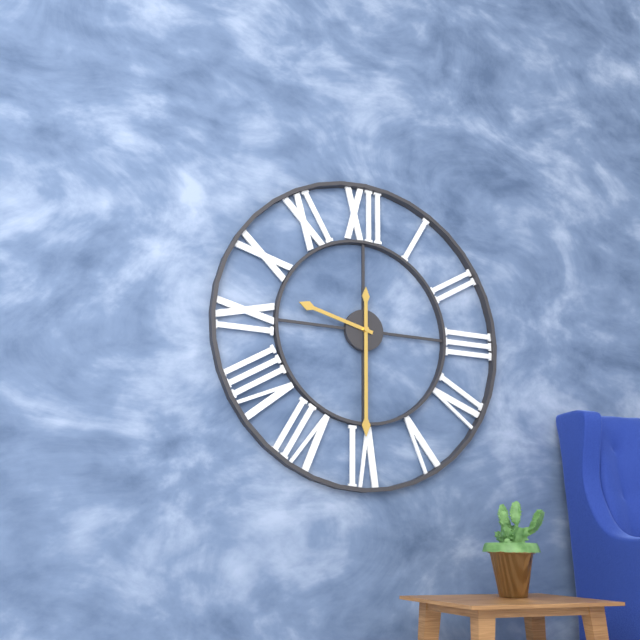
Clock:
9.30
